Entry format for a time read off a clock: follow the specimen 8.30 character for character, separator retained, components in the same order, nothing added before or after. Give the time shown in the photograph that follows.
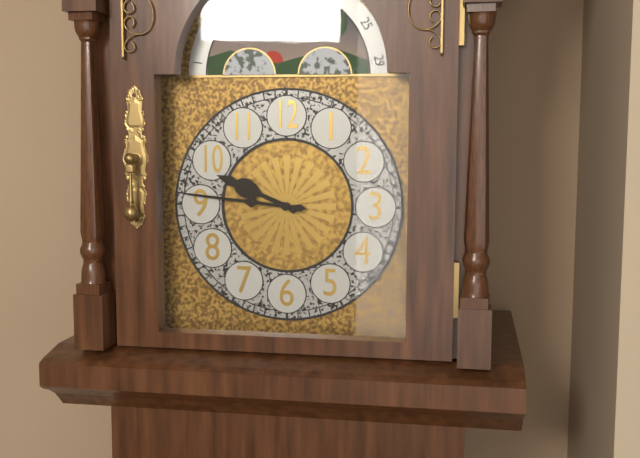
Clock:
9.46
